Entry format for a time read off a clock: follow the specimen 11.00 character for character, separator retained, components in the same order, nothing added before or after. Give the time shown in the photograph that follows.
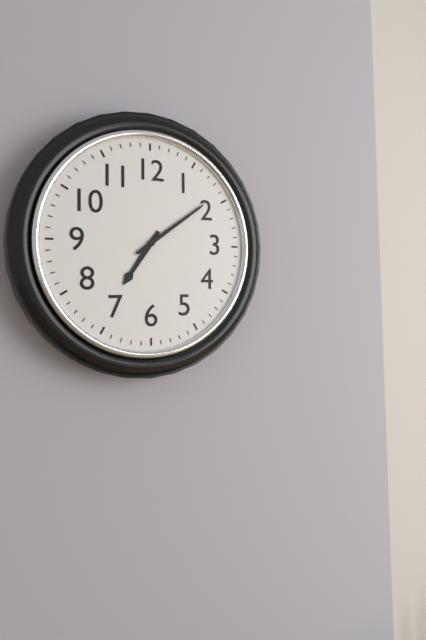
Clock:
7.09
